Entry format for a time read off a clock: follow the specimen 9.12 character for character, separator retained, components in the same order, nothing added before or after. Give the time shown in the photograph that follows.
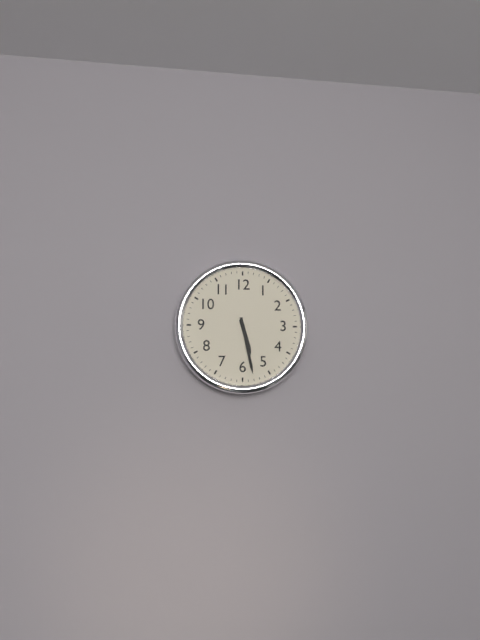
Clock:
5.28
